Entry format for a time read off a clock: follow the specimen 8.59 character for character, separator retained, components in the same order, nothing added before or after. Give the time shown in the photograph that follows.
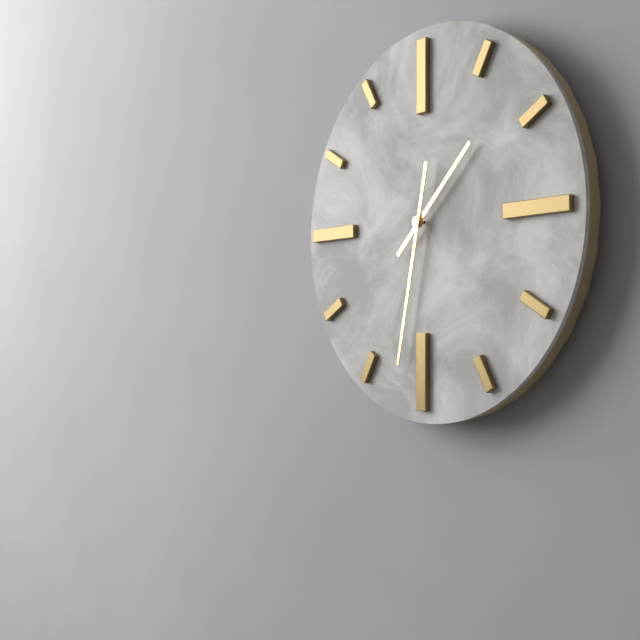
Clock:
1.32
